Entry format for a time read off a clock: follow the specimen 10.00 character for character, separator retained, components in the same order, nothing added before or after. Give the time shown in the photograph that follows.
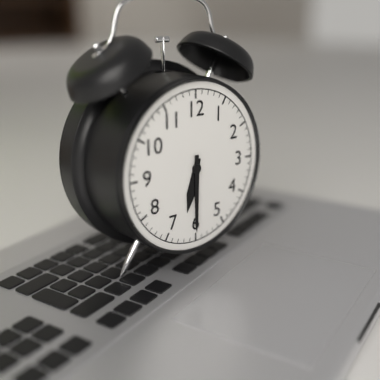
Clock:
6.30
